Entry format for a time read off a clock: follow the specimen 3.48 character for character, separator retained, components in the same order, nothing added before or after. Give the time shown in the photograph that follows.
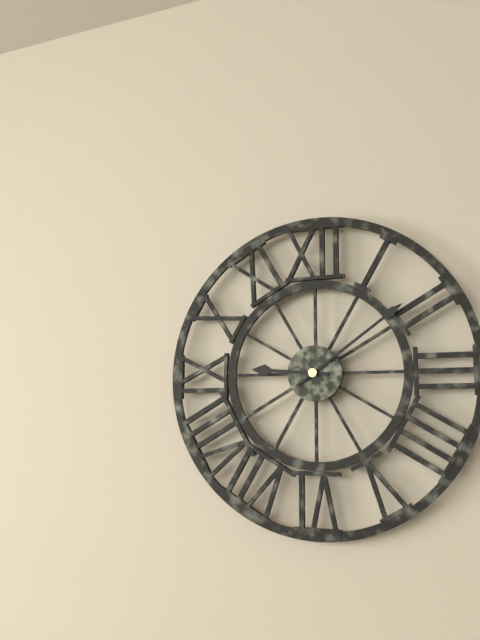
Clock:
9.09
